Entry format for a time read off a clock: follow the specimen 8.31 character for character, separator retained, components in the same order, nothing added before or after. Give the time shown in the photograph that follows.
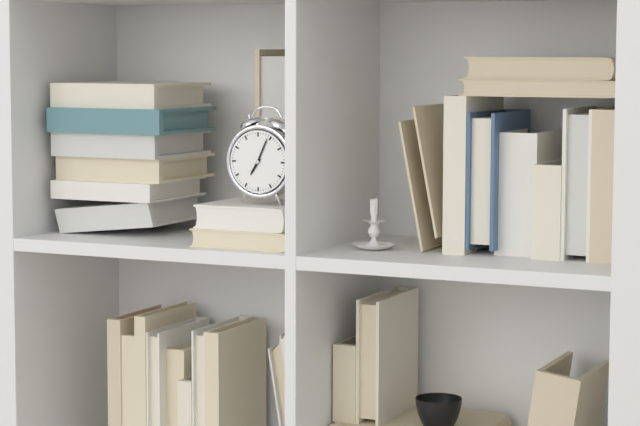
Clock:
7.04
